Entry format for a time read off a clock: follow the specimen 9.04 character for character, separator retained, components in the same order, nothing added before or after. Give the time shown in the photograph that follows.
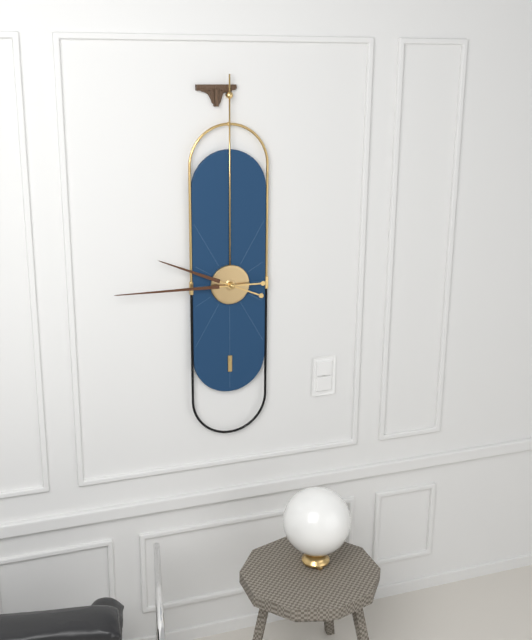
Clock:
9.45
